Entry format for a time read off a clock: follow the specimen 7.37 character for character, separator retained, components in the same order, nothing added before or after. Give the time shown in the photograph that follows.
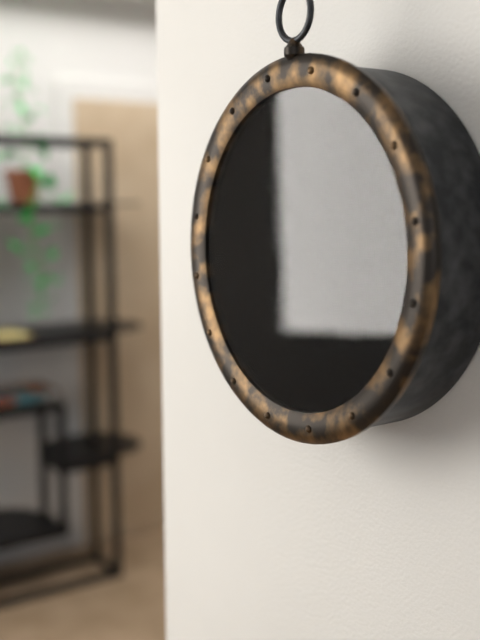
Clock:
1.09
